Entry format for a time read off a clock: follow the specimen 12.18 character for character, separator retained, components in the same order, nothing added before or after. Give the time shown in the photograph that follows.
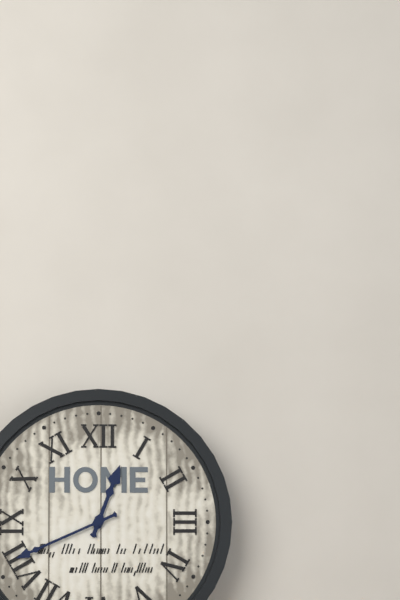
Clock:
12.41
